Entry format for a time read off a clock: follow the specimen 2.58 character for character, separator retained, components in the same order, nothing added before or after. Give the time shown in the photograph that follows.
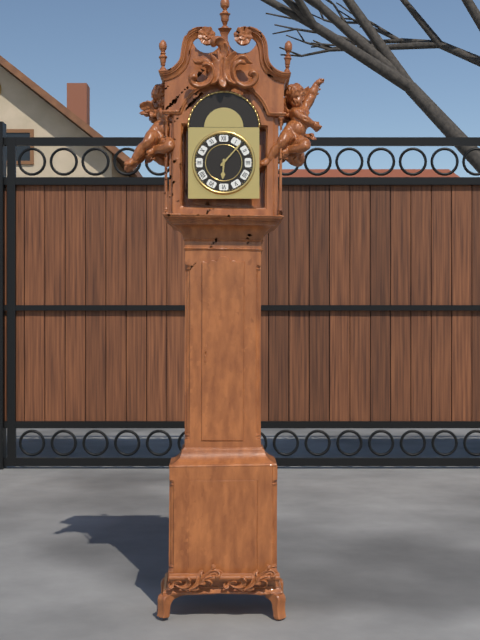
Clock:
6.07
